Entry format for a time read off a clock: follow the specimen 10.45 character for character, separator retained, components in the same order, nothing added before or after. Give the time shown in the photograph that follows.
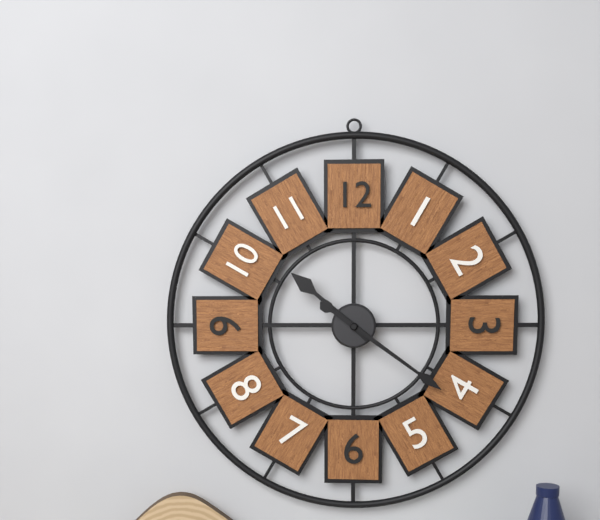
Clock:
10.21
